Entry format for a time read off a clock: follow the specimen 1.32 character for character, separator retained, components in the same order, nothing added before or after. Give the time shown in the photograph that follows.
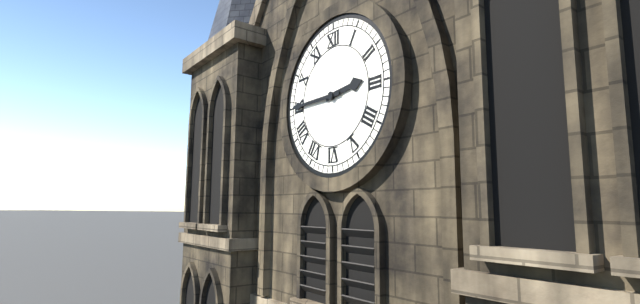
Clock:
2.45
